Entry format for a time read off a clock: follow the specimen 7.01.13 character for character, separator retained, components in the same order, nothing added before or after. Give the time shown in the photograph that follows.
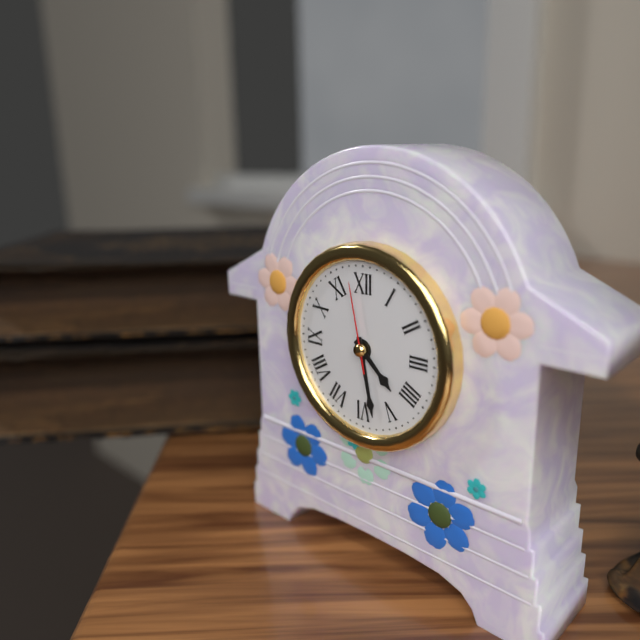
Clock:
4.28.58
